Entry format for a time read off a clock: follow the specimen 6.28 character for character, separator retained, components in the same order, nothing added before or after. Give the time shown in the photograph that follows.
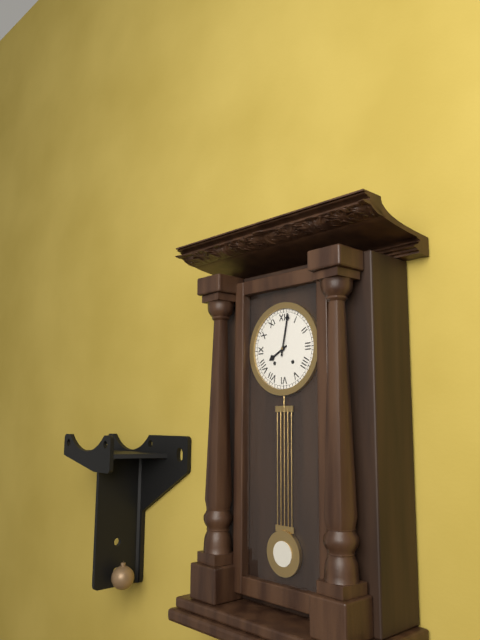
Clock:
8.02
